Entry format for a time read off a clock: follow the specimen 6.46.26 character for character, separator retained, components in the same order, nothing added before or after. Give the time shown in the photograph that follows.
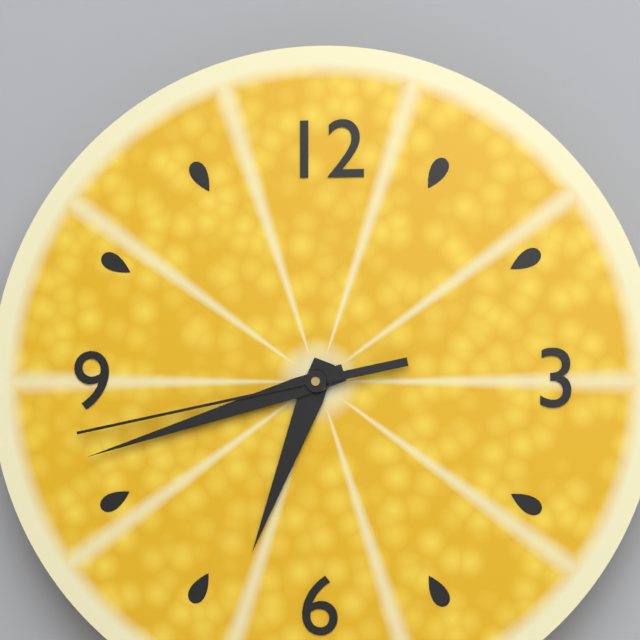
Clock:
6.42.43
